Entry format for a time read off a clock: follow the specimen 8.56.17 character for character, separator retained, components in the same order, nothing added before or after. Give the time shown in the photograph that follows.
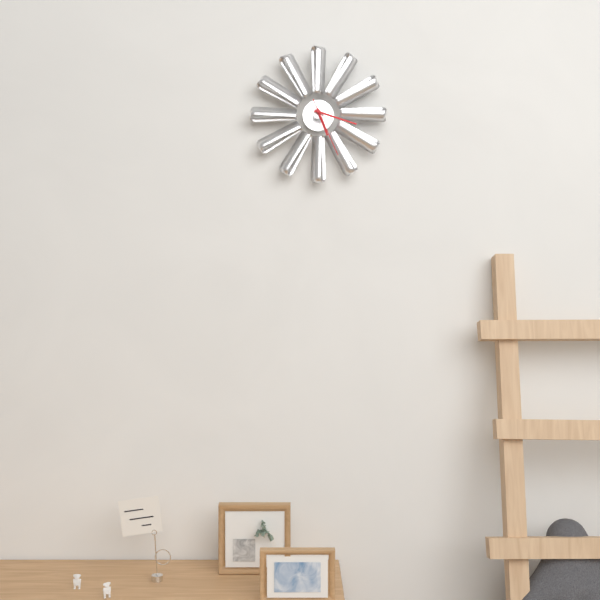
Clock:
5.18.26
